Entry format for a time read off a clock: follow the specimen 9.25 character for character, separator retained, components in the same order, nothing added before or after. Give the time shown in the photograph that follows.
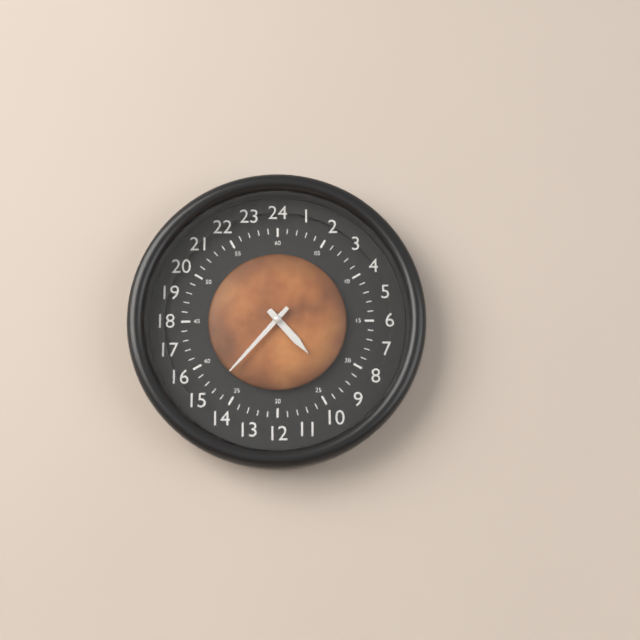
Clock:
4.37
